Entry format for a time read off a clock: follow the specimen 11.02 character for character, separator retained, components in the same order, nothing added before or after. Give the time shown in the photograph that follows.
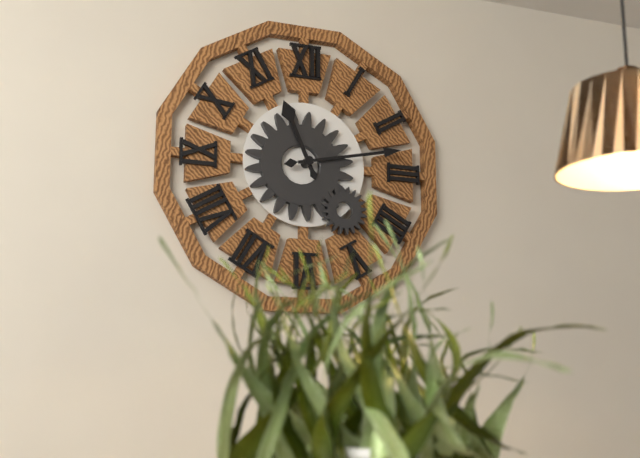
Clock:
11.13
